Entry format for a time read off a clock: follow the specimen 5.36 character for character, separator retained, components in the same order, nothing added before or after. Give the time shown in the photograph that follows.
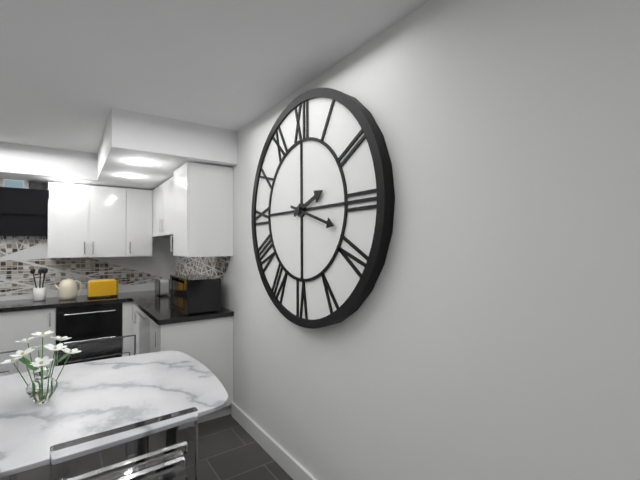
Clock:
2.18
